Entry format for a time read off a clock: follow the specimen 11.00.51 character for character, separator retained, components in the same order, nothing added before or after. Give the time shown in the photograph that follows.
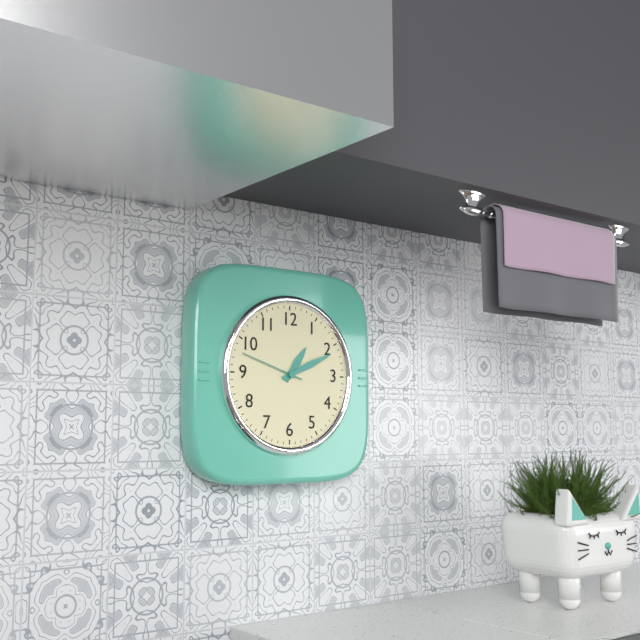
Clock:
1.11.48
